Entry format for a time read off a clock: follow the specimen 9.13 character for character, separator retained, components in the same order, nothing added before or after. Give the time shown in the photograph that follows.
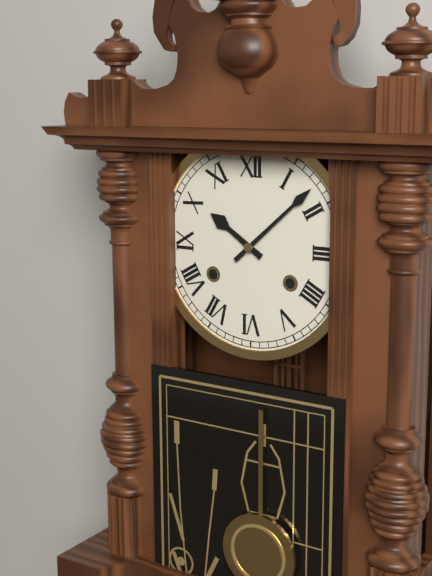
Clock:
10.08
